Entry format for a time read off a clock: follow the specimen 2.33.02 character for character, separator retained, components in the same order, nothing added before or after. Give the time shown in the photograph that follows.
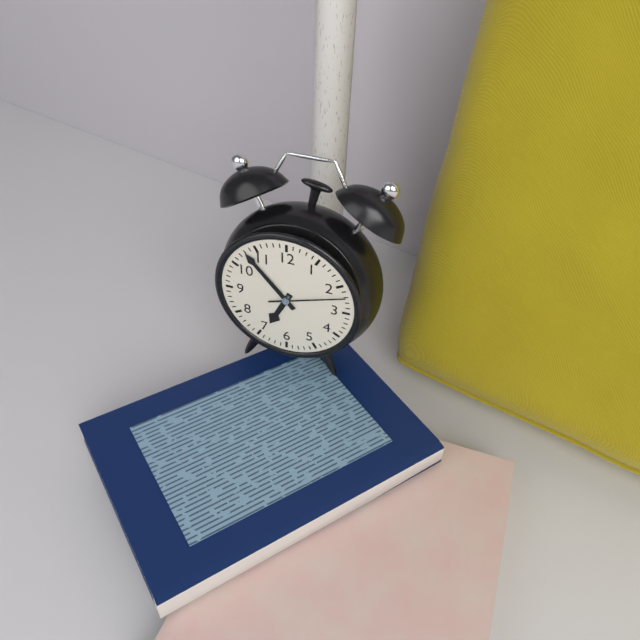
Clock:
6.53.12
